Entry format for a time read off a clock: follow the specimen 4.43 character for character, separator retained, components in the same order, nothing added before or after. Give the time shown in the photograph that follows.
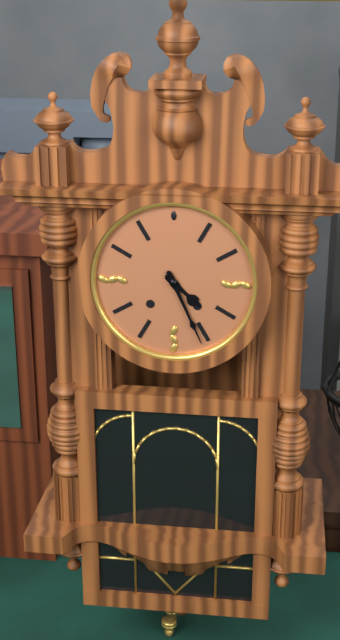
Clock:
4.26
